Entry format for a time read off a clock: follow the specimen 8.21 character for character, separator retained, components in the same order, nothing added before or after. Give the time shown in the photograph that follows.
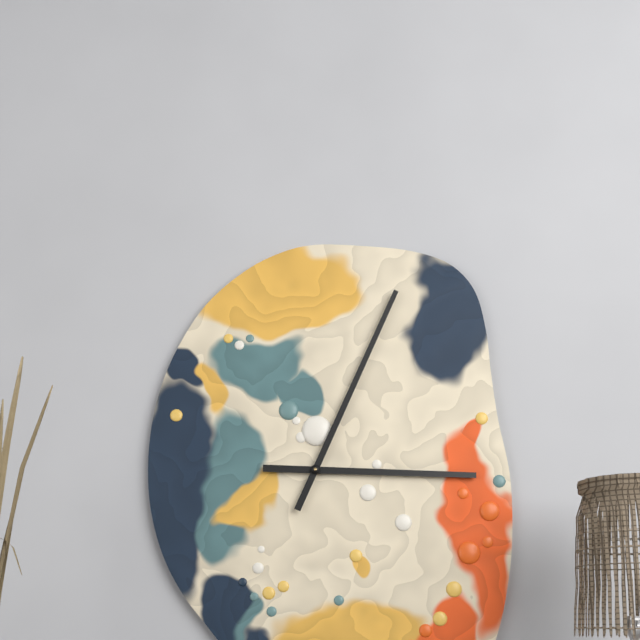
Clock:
3.04
